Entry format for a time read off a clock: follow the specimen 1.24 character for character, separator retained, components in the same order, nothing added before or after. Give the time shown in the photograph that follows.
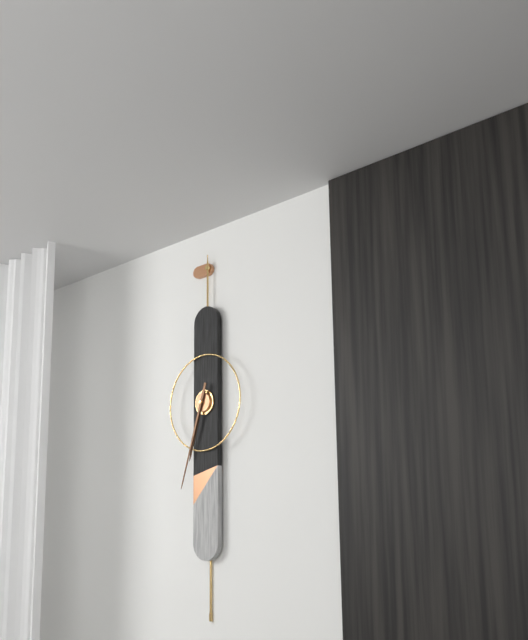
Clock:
6.33
